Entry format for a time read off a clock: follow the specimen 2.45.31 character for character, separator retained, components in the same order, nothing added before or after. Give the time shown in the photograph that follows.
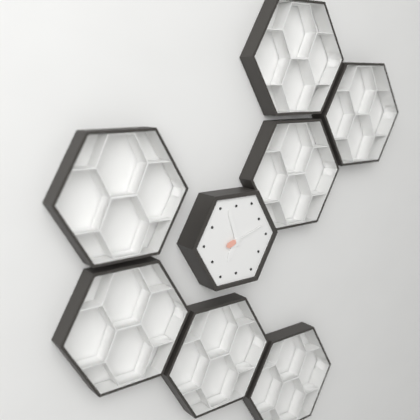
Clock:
6.57.12
